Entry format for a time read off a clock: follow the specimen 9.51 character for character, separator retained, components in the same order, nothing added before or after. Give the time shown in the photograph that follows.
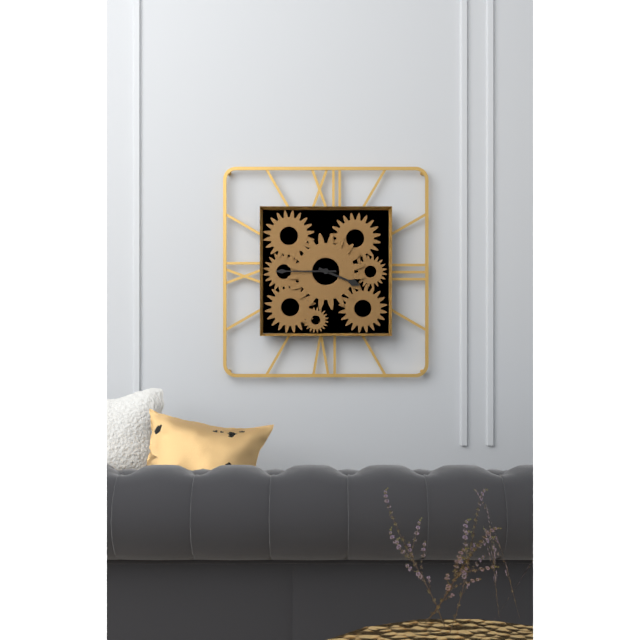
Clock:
3.45
